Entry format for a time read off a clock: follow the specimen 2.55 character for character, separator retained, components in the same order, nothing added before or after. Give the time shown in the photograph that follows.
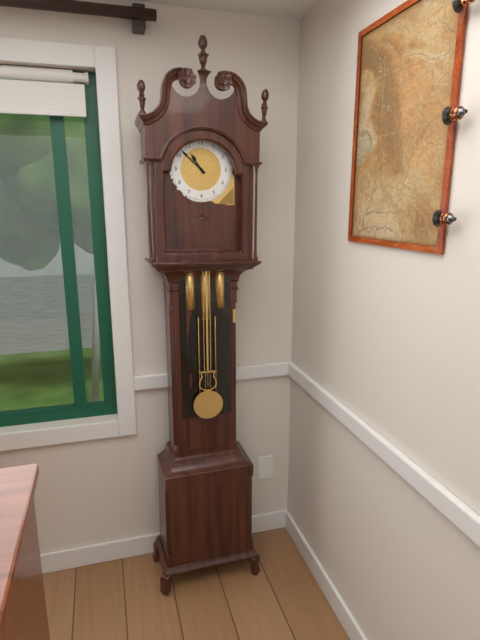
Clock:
10.52
